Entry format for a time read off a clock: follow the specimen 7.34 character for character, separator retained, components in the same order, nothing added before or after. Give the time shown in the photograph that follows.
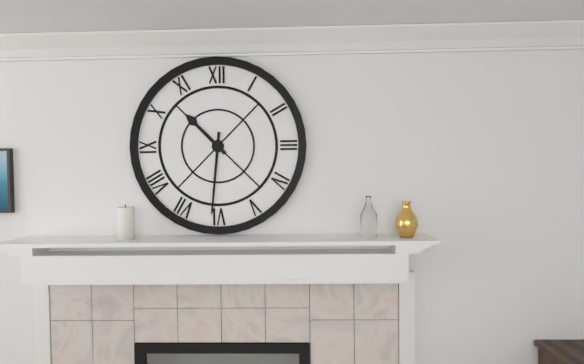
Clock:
10.31
